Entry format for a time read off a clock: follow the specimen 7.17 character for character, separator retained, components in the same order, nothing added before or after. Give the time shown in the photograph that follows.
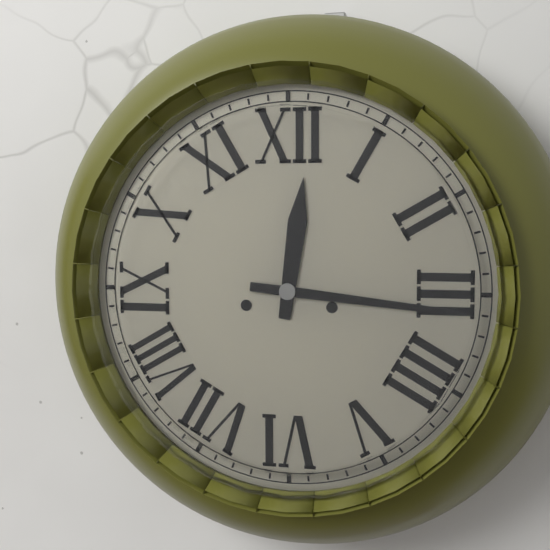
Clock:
12.16
